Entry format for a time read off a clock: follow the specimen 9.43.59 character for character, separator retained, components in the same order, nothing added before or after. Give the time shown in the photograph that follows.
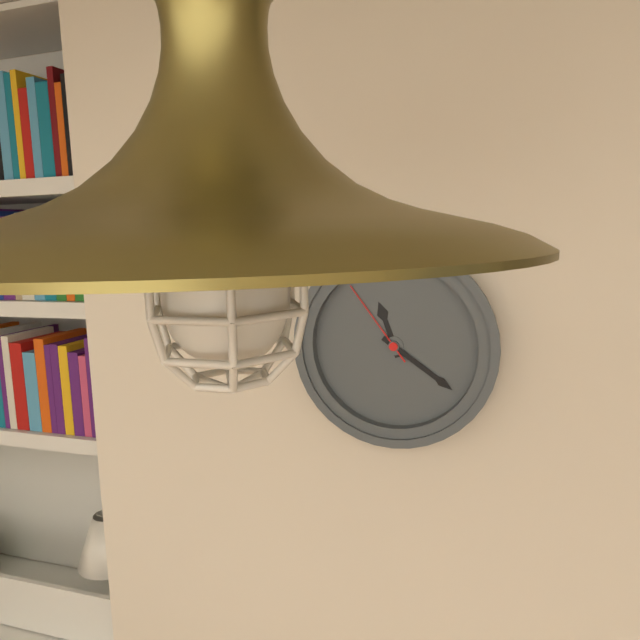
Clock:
11.21.54
